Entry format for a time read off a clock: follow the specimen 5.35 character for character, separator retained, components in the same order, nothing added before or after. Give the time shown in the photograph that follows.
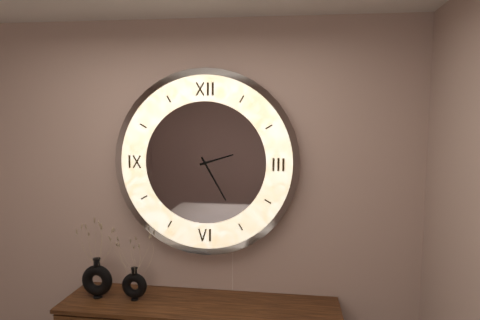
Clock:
2.25
